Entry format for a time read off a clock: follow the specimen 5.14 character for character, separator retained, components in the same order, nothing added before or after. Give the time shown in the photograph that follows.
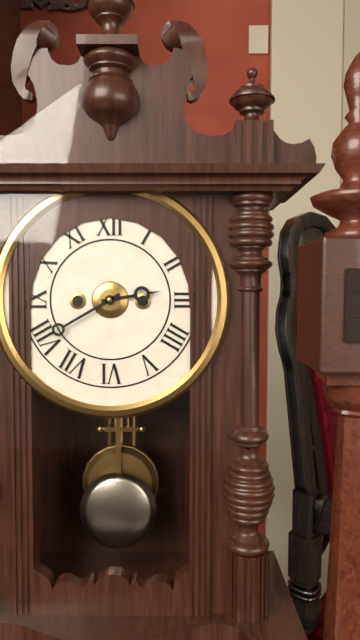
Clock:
2.40
